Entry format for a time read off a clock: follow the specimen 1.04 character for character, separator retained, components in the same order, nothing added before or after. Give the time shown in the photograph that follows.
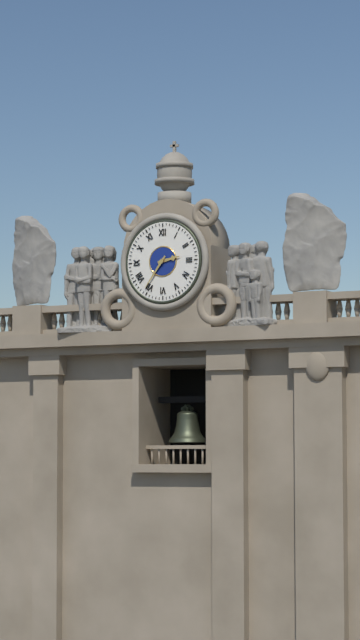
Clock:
2.36
